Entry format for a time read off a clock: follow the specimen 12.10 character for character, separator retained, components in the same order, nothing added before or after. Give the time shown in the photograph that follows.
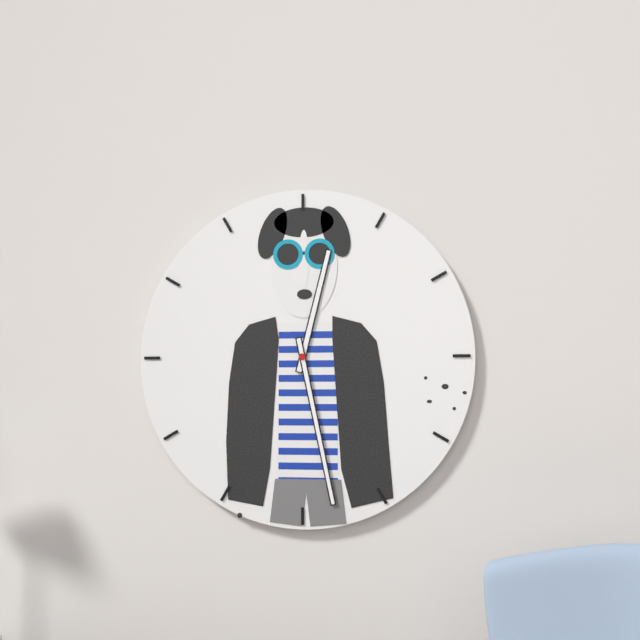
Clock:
12.28
